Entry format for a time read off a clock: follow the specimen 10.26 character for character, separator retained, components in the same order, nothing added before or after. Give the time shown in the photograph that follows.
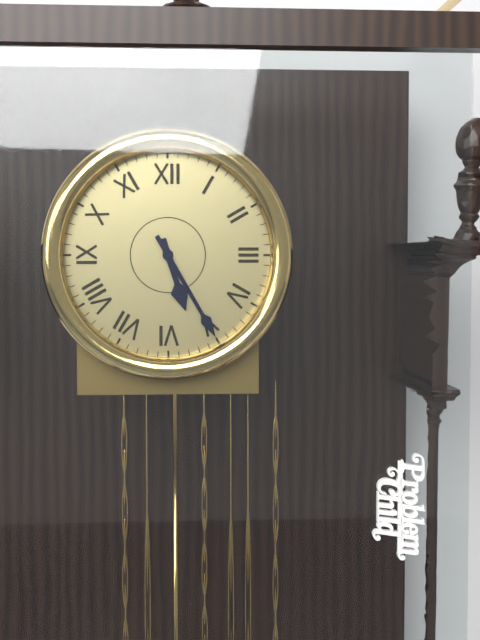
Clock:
5.25
